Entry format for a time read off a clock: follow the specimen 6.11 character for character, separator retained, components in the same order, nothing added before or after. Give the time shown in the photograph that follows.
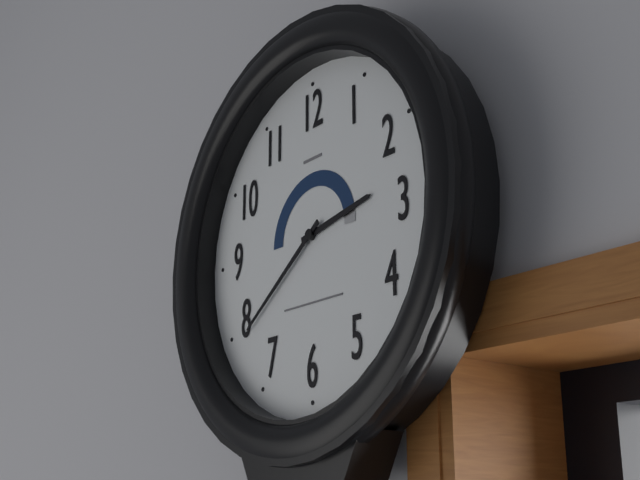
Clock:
2.39
